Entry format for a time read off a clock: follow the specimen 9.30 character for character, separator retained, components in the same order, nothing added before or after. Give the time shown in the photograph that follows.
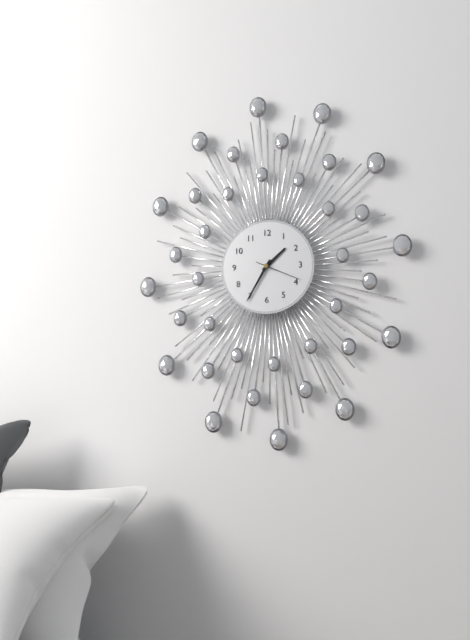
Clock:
1.35
